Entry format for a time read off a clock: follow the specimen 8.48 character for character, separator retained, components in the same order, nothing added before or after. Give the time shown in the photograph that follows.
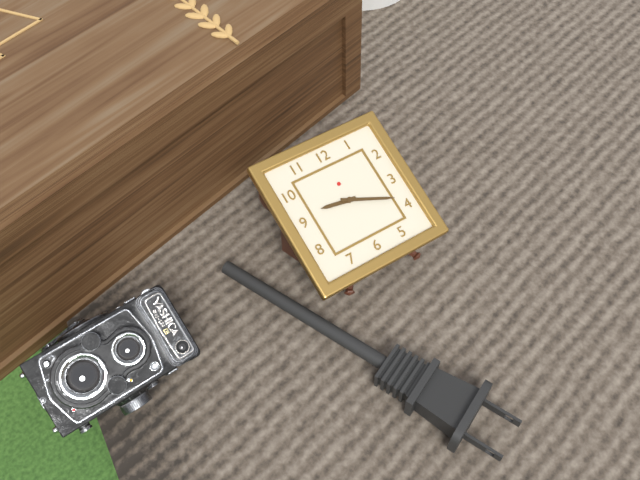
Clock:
9.19
